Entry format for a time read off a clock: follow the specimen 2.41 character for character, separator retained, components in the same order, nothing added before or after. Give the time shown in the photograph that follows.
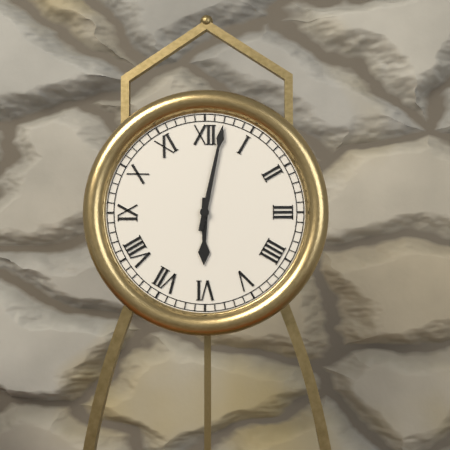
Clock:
6.02
